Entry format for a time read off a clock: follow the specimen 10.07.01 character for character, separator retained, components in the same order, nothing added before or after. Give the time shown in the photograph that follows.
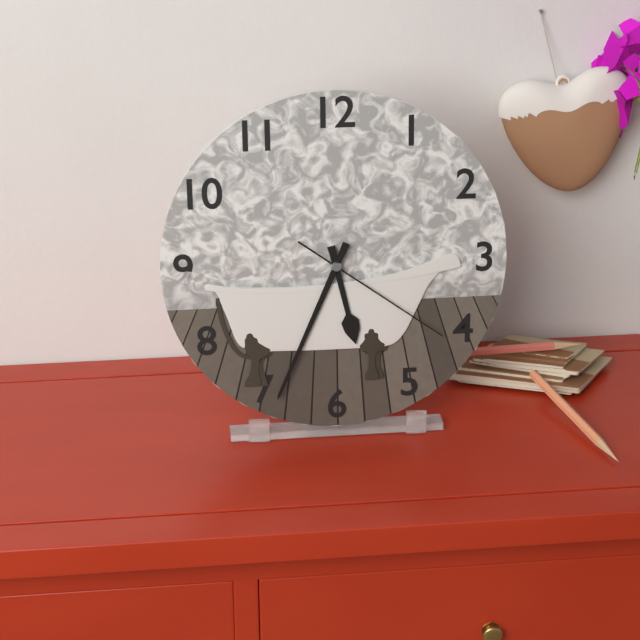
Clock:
5.34.21
